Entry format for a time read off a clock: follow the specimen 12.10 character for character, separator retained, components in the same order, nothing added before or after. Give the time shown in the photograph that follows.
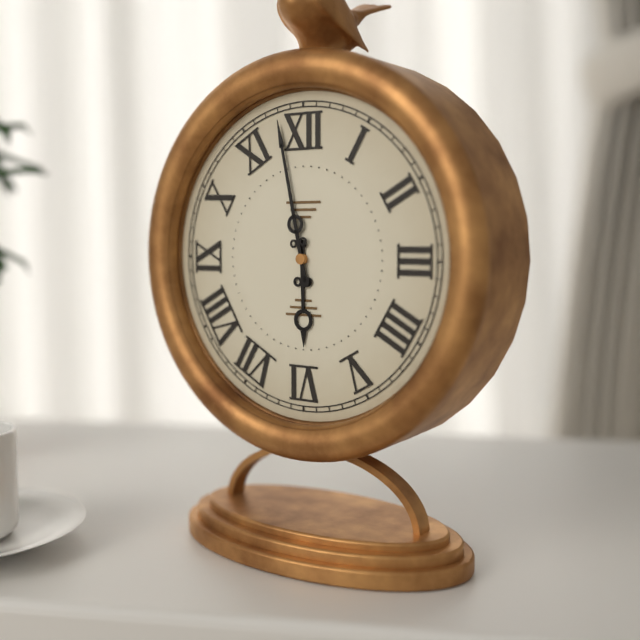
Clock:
5.58
